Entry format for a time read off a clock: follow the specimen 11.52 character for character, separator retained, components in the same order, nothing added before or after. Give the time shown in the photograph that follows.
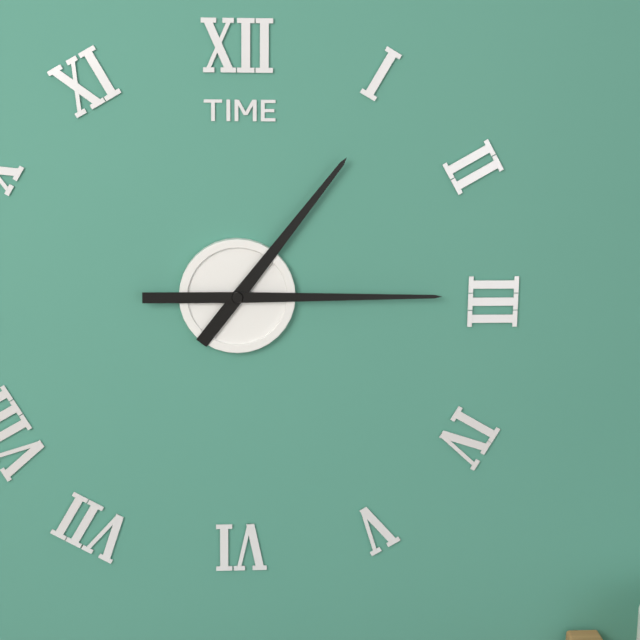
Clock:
1.15
